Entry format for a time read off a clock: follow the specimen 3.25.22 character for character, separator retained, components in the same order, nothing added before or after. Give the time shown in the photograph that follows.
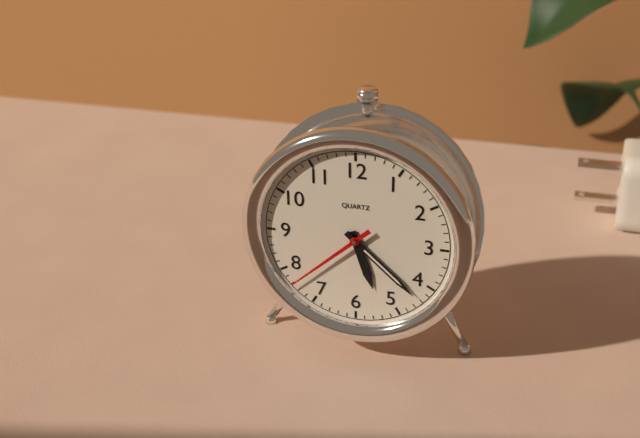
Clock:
5.22.38
